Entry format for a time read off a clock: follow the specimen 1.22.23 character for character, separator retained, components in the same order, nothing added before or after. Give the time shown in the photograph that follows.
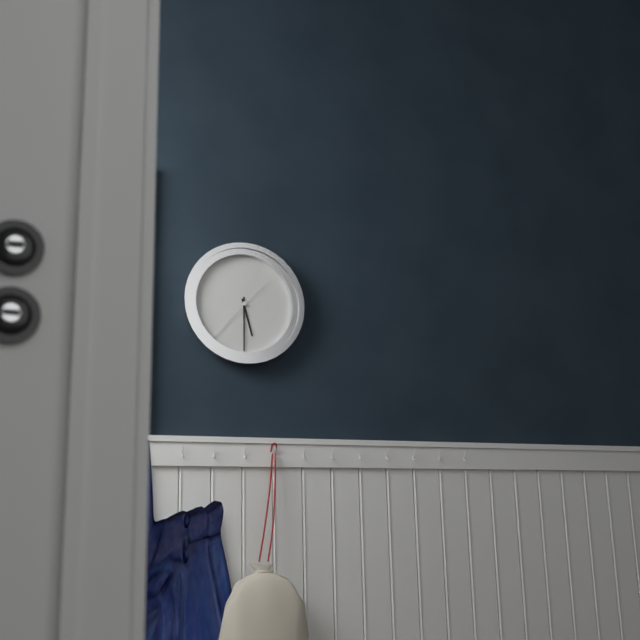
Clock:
5.30.37
